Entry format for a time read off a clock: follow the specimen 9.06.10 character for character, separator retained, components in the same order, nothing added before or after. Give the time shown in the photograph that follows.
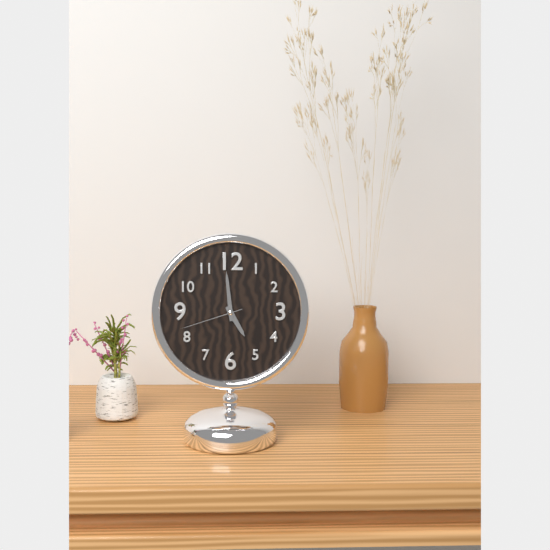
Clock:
4.59.42
